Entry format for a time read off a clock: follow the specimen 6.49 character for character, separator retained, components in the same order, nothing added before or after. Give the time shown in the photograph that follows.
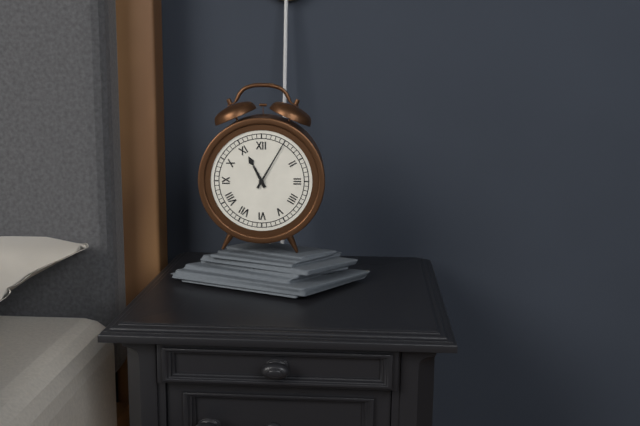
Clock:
11.05
